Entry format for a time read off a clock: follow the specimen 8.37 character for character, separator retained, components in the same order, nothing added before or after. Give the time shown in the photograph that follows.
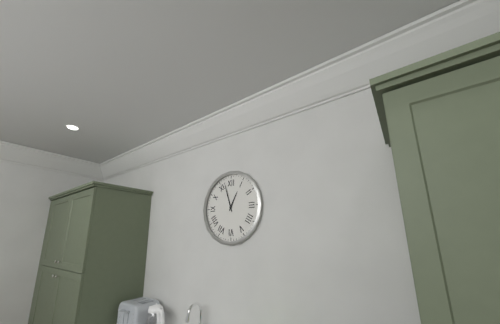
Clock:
12.57
